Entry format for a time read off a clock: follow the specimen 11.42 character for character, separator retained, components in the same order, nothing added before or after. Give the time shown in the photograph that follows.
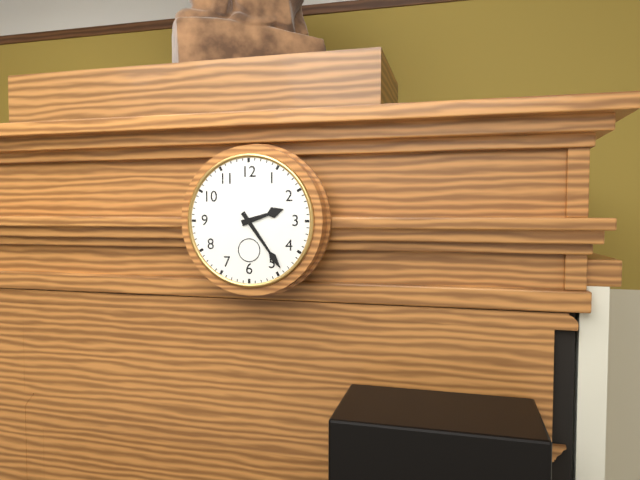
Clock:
2.24
